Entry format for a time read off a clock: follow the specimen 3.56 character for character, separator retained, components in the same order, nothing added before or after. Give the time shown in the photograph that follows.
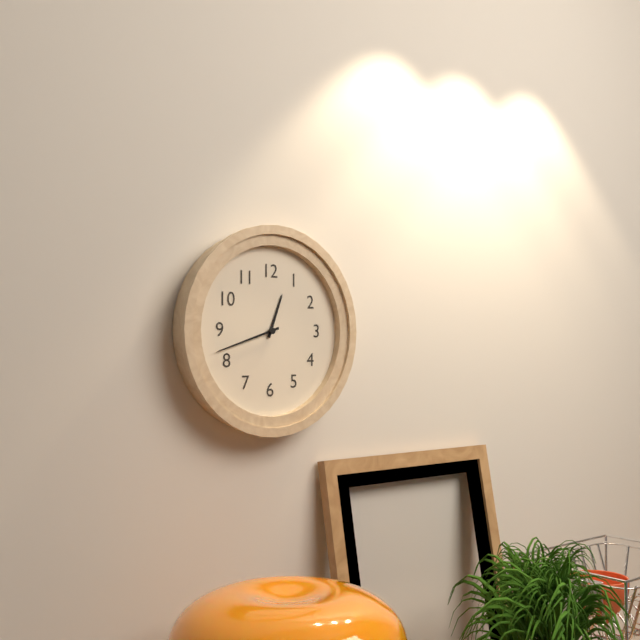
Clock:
12.42
